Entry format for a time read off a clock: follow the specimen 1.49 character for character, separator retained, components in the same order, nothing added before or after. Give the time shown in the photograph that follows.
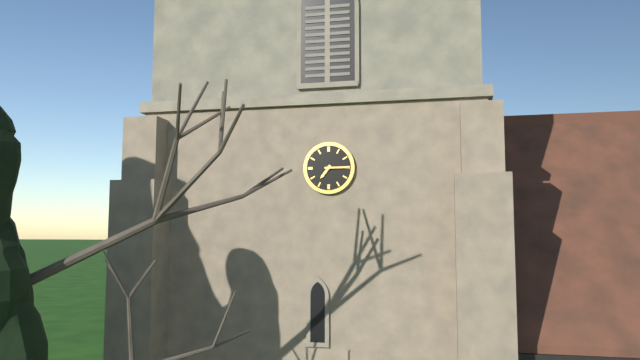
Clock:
7.15
